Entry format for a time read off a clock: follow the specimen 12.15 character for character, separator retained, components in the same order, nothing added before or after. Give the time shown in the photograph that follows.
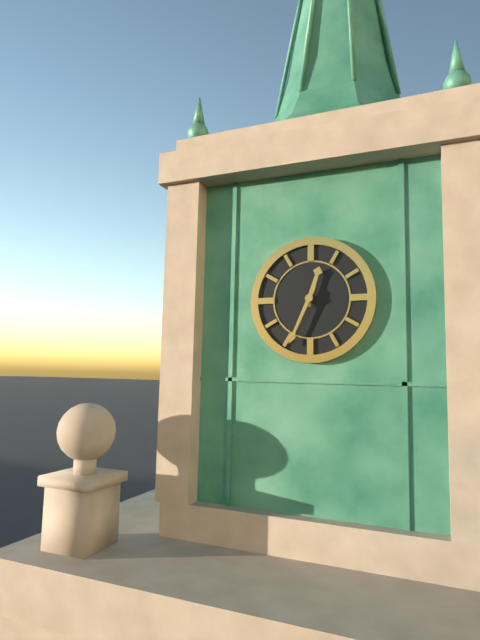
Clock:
12.34
